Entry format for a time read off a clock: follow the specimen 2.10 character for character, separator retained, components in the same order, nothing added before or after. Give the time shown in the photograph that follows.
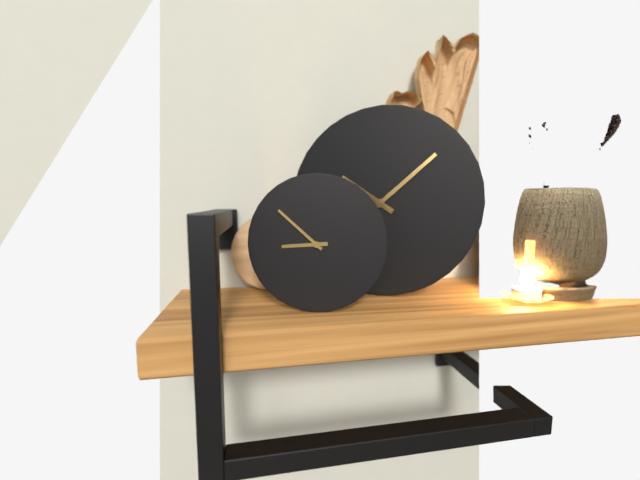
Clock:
8.52
